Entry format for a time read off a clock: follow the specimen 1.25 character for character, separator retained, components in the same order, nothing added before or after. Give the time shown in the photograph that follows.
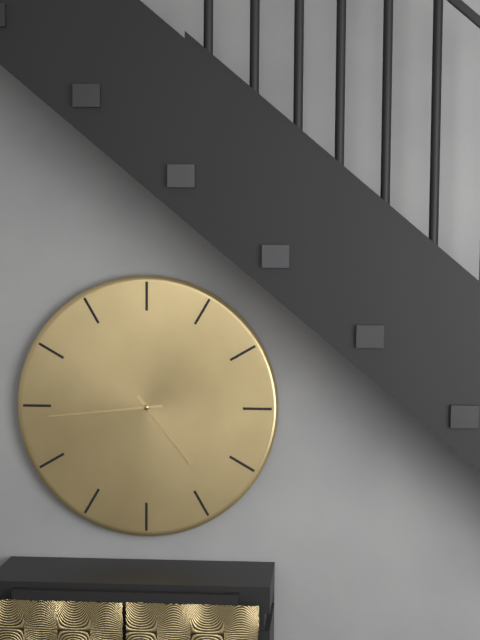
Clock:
4.44
